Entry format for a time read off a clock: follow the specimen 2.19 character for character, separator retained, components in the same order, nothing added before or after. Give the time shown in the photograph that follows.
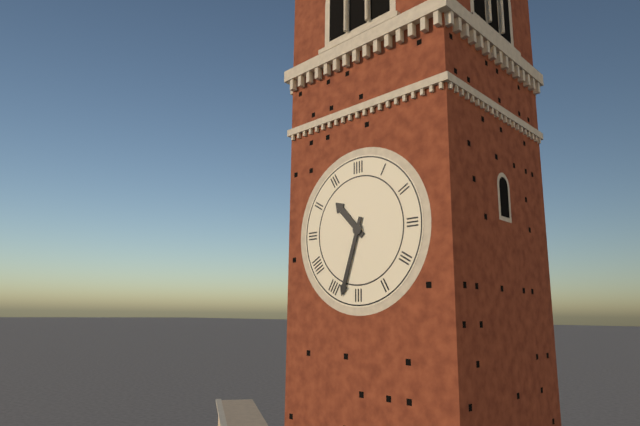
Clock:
10.33
